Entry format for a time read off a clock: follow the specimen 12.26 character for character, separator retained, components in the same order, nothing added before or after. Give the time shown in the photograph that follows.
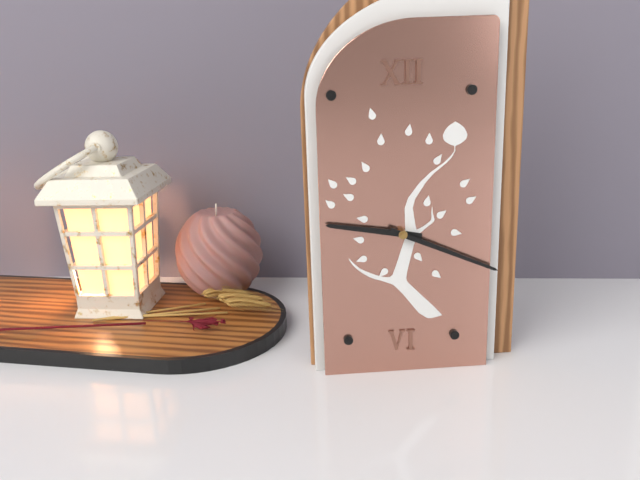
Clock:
9.19
